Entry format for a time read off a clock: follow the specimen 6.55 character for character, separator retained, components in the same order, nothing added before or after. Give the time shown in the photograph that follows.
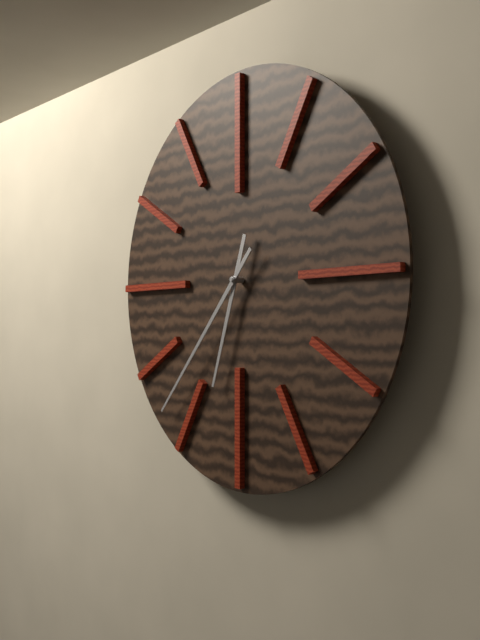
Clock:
6.37
